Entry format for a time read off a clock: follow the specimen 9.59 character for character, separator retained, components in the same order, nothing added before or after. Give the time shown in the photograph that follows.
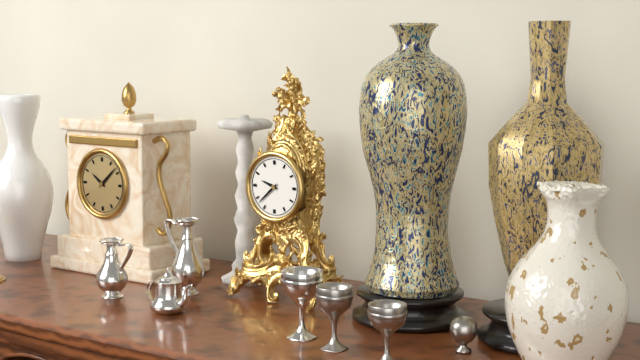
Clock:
9.38
